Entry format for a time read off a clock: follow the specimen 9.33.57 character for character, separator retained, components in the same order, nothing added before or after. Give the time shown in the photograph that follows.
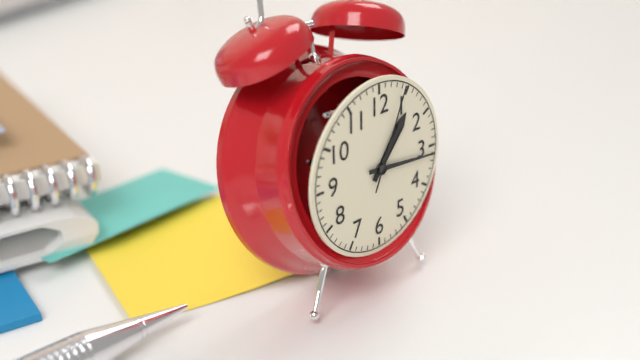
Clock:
1.16.04
